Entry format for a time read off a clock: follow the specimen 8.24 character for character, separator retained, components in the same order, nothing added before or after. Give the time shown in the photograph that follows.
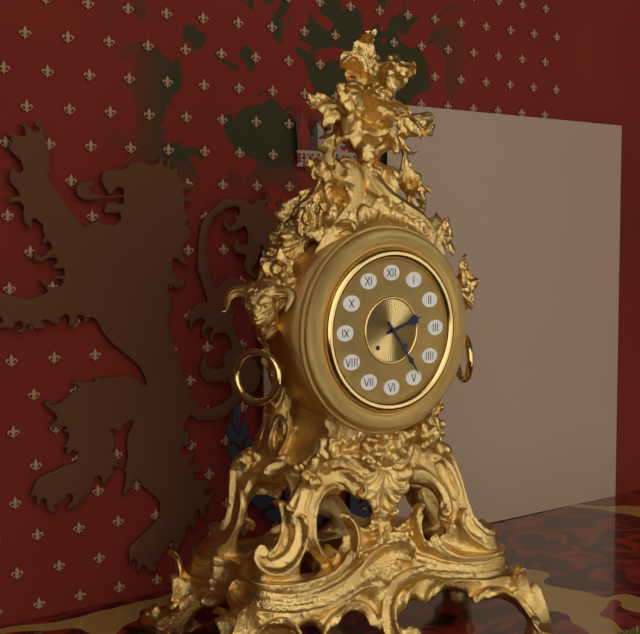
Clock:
2.24
